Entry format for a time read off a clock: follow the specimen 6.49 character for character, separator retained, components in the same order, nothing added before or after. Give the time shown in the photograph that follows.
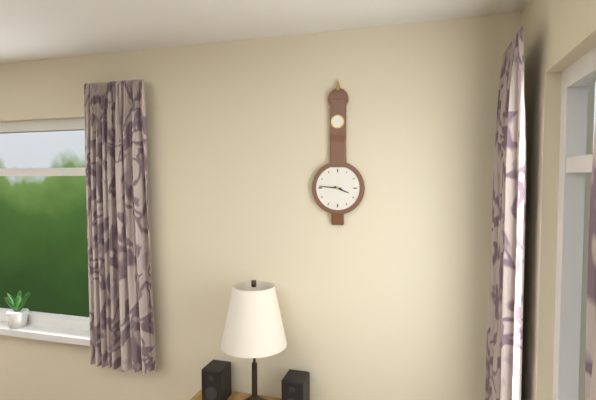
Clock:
3.46
